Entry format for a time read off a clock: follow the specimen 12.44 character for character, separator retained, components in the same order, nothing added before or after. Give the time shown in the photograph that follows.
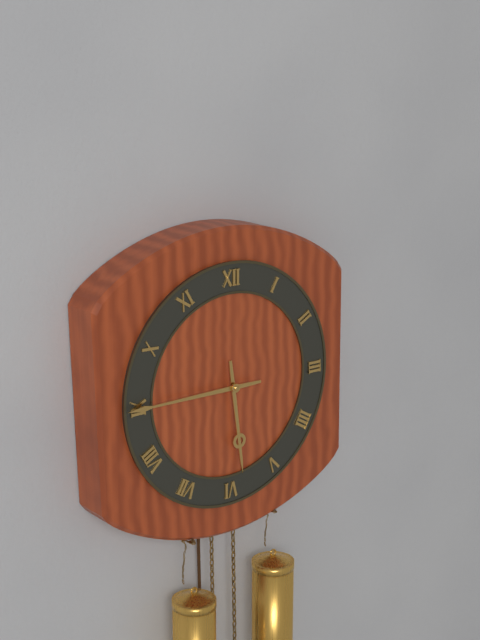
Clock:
5.45
